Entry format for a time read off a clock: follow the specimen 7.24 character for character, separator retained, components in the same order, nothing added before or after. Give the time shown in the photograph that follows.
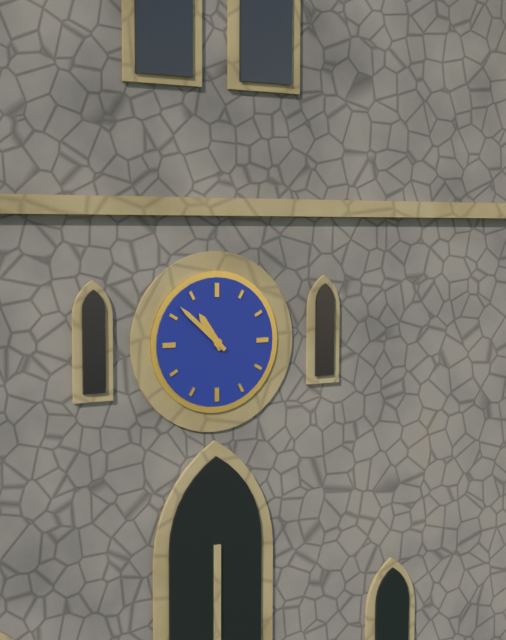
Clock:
10.52
